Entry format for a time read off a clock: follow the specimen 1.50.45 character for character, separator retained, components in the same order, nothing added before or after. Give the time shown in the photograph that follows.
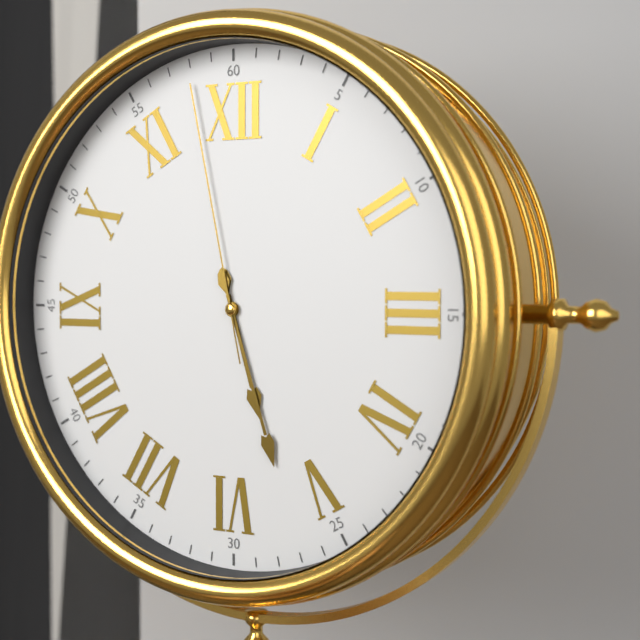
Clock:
5.27.58
